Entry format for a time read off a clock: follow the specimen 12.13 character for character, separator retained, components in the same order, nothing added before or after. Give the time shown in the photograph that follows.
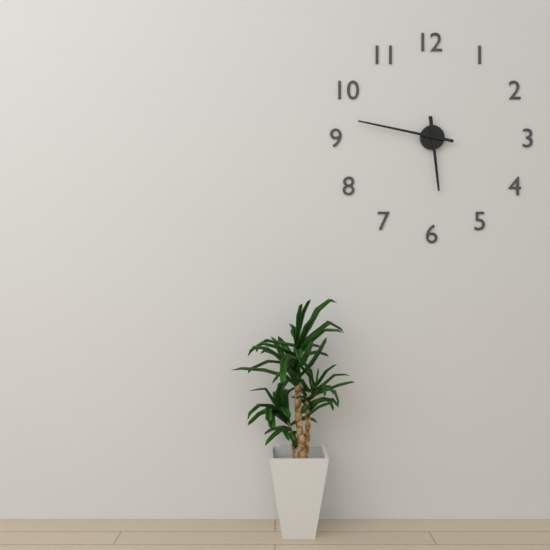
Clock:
5.47
